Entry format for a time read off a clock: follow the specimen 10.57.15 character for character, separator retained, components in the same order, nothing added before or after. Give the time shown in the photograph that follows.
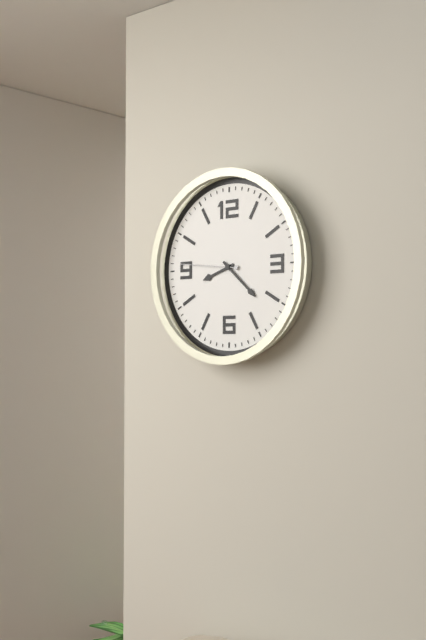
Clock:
8.22.46
